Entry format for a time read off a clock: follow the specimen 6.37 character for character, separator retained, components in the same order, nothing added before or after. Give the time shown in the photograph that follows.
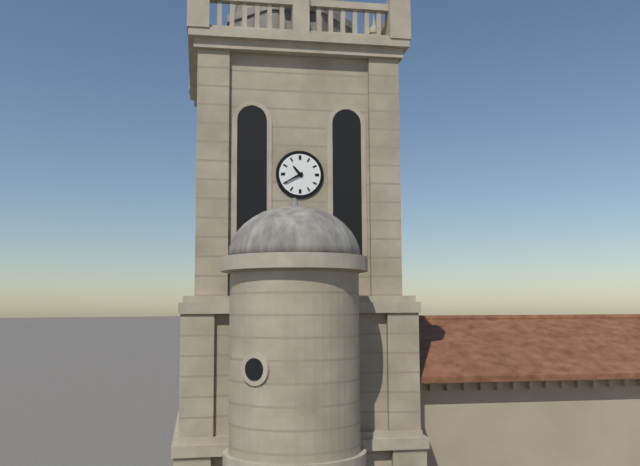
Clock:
10.40
